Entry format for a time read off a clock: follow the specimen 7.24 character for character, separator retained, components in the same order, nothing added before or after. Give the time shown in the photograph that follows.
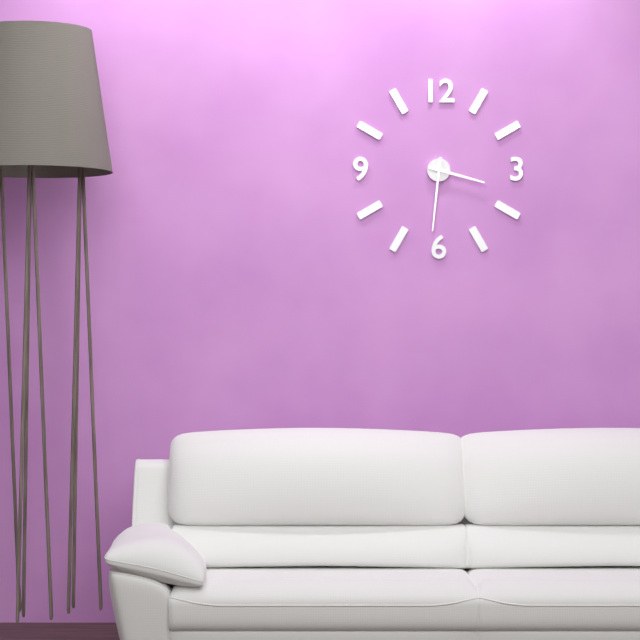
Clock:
3.31
